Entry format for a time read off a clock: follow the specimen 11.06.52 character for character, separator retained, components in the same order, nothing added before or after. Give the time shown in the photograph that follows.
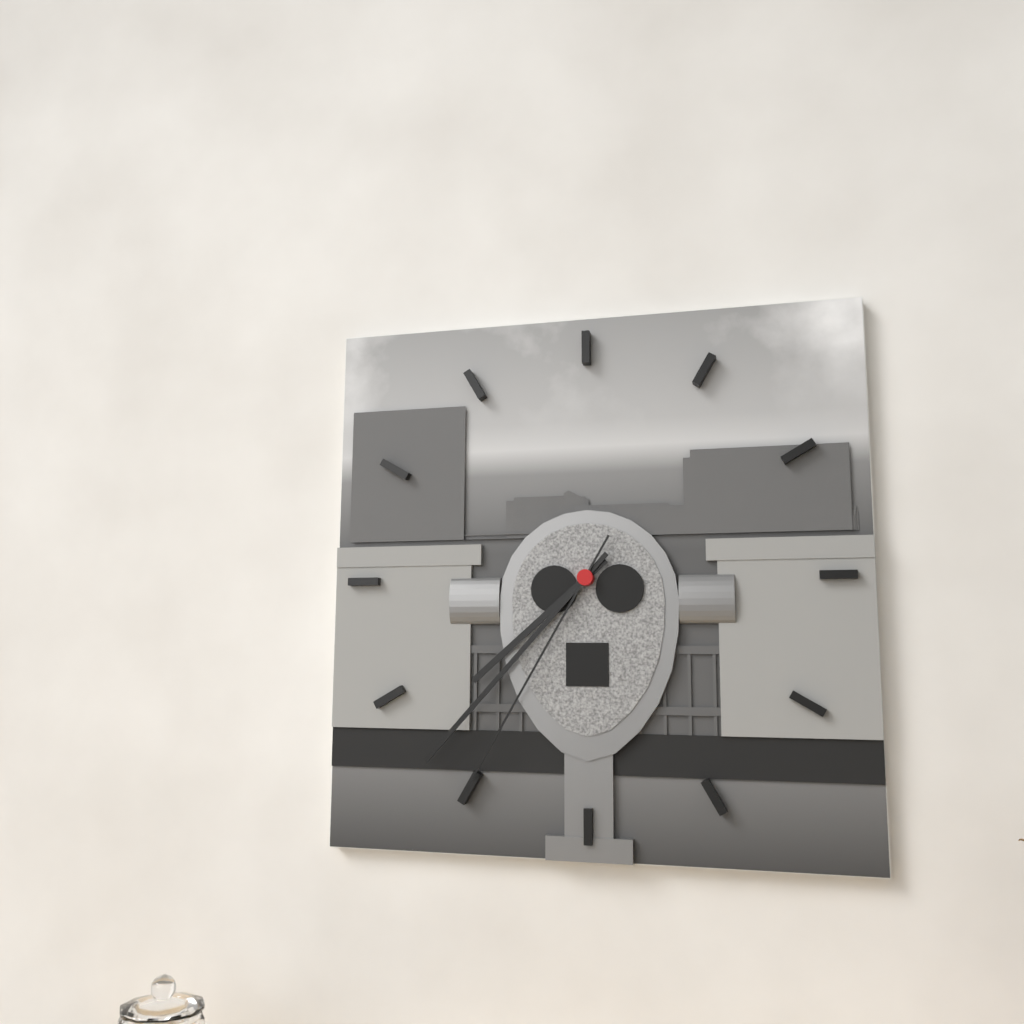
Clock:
7.37.35
